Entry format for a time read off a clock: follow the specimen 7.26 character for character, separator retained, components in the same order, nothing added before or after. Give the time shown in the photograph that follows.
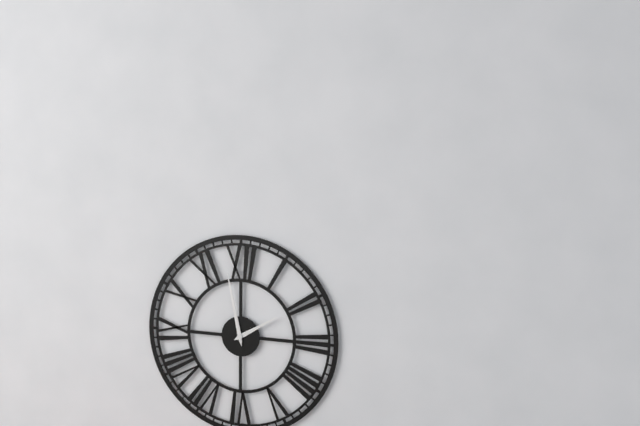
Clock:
1.58
